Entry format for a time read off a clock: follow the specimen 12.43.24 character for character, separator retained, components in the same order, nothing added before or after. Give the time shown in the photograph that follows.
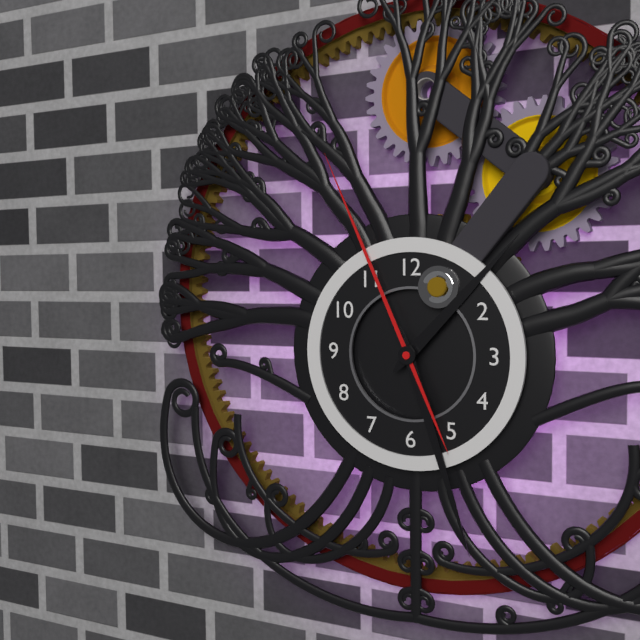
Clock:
1.27.56
